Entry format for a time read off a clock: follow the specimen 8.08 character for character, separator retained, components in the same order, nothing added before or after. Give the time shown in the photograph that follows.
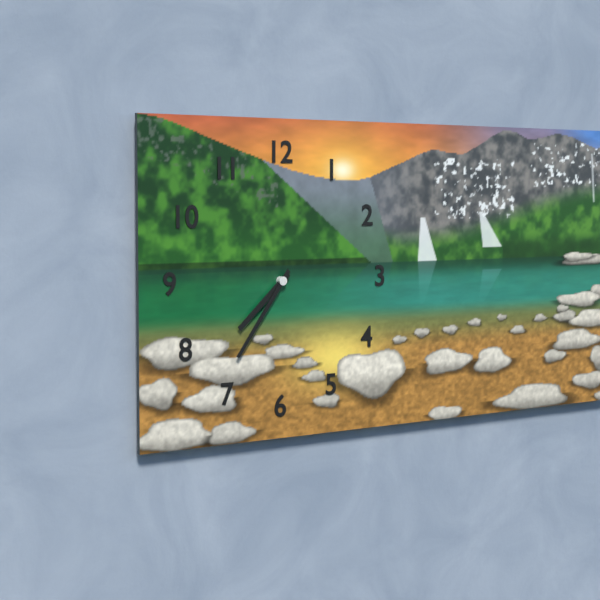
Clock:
7.36
